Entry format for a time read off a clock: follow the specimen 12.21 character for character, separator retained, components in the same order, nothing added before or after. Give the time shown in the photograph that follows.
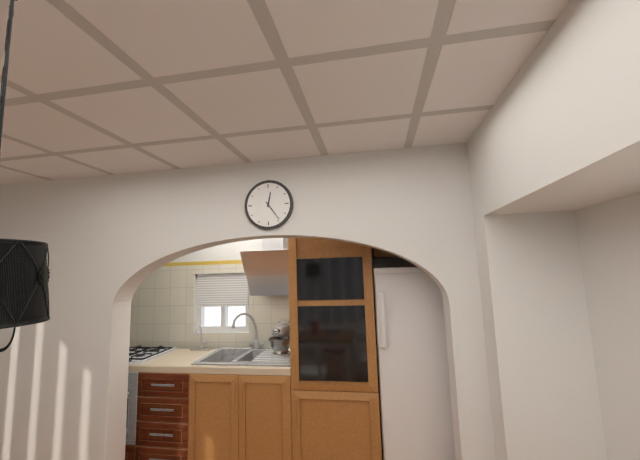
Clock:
12.24
